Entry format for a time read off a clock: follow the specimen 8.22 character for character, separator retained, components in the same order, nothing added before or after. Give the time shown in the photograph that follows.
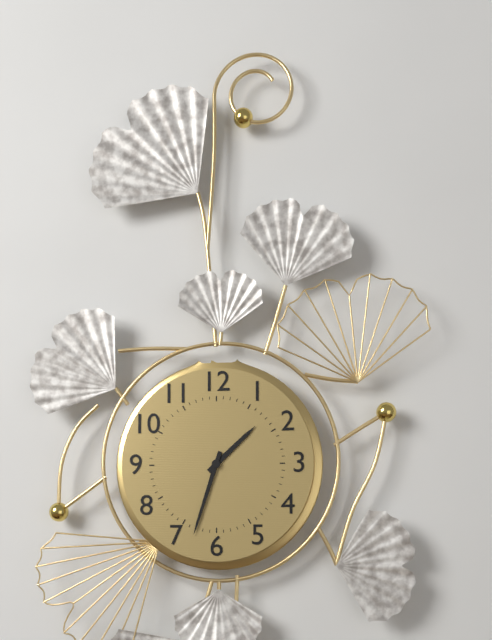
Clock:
1.33
